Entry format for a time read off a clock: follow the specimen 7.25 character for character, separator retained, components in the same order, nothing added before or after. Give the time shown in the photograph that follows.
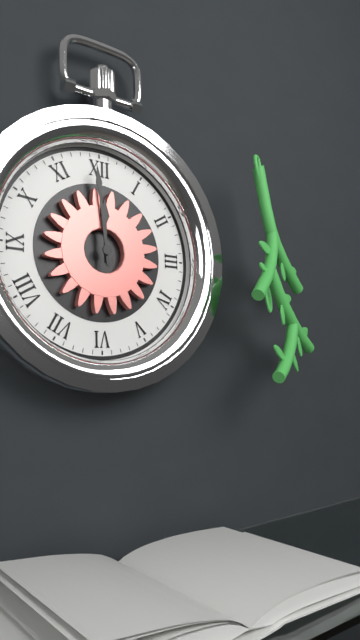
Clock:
11.59
